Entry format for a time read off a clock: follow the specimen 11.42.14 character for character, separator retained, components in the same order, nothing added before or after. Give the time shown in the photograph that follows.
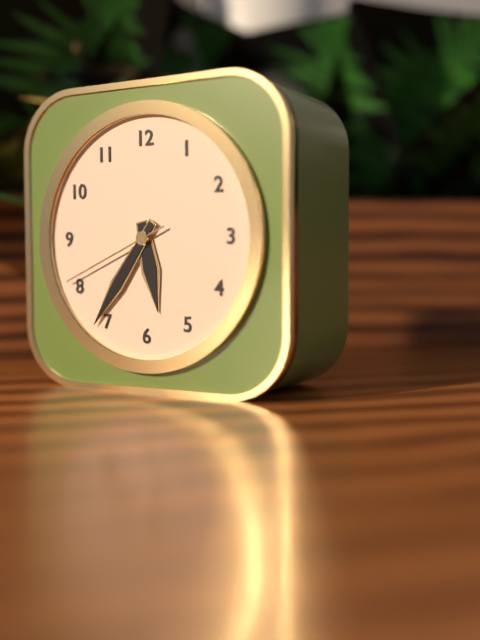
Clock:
5.36.41
